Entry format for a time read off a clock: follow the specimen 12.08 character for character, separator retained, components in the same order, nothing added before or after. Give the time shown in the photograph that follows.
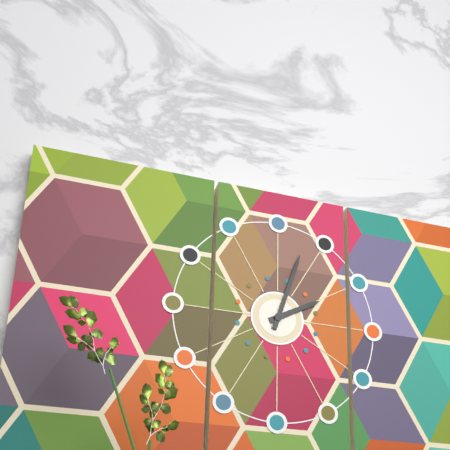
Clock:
2.03
